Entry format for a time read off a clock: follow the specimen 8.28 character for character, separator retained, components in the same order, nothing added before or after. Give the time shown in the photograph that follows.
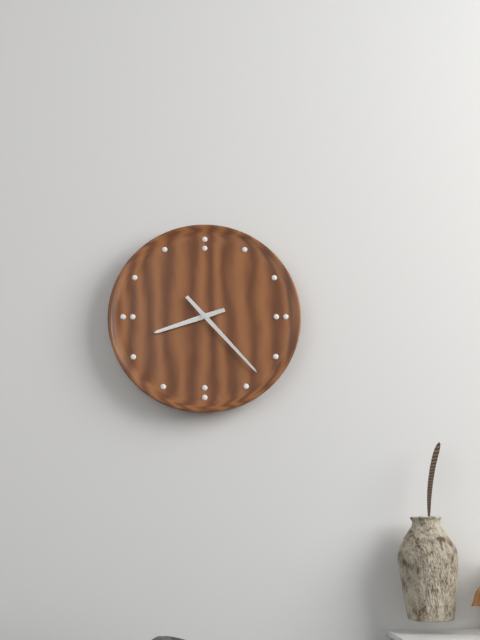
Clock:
8.23
